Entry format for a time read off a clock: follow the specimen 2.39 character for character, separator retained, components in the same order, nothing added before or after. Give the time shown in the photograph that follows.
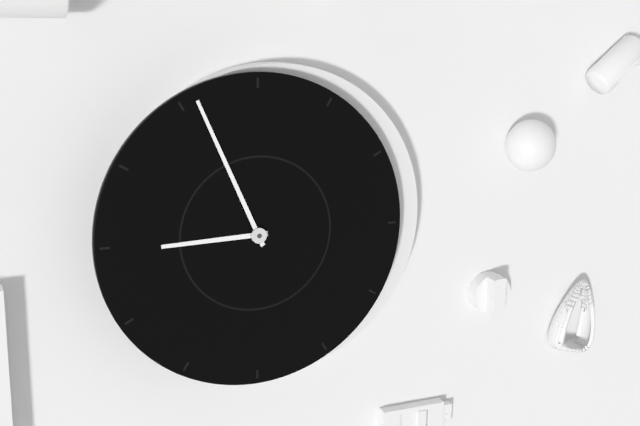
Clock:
8.56
